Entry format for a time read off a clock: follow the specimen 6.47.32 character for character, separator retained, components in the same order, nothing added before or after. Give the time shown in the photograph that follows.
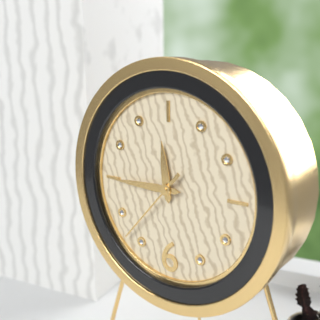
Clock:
11.45.37
